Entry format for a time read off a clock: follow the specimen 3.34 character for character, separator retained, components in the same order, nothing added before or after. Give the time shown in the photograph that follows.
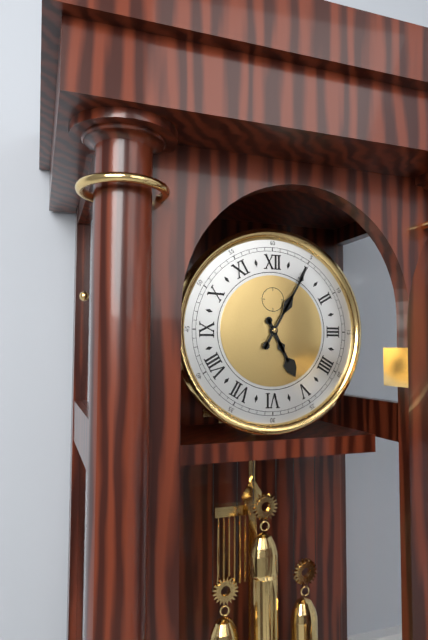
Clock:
5.05
